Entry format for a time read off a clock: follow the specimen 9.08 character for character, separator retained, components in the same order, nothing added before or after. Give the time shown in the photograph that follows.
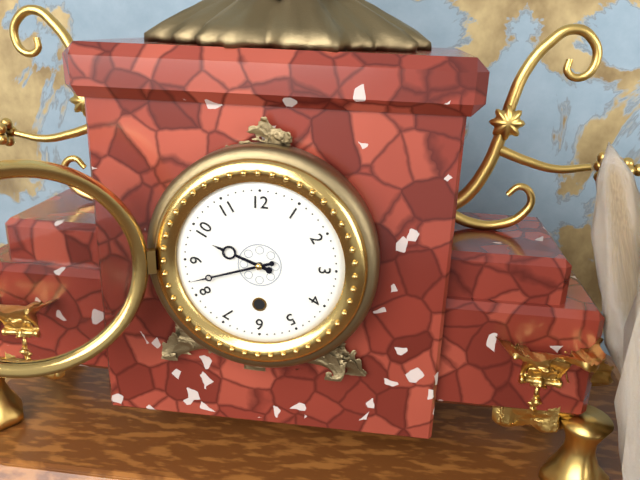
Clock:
9.42
